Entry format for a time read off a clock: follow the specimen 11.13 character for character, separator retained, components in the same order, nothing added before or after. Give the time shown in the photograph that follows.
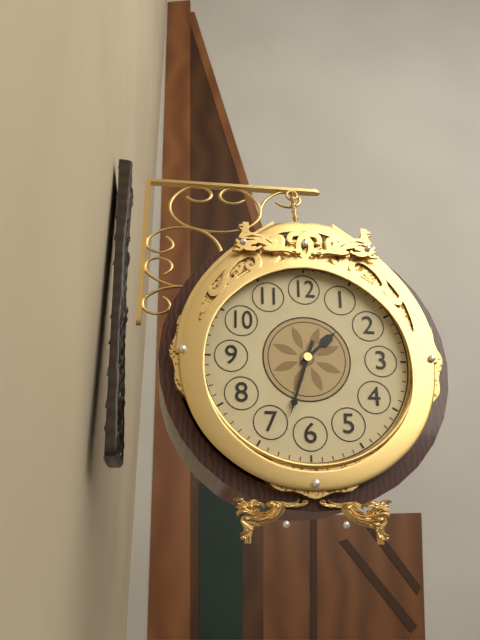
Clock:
1.33
